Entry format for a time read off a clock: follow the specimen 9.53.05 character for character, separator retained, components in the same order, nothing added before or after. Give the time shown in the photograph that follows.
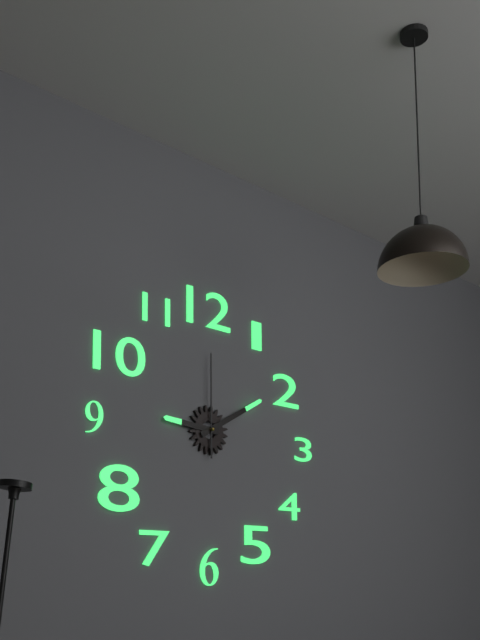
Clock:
9.10.00
